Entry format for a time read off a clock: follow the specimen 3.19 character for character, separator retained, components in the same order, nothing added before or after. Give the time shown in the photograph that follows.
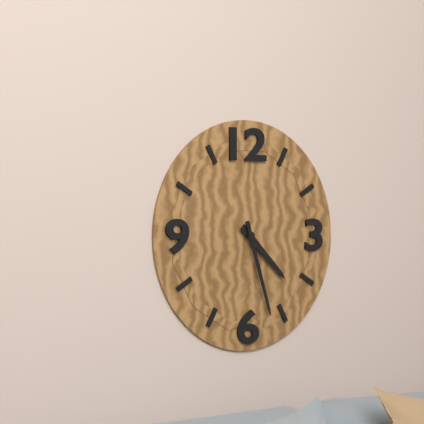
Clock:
4.27
